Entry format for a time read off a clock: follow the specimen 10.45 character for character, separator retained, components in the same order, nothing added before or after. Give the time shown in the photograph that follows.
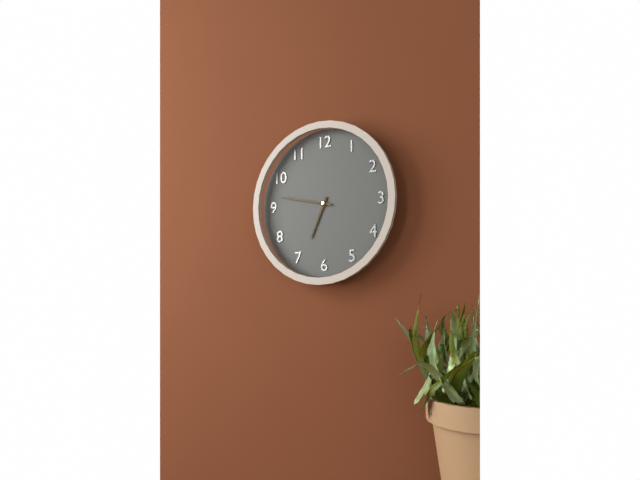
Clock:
6.47
